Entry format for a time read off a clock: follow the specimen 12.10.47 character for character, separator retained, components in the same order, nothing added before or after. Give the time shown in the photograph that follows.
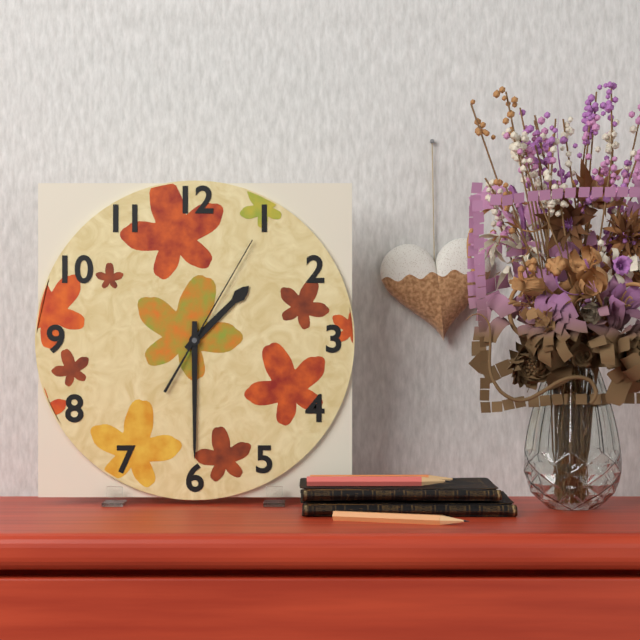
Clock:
1.30.05
